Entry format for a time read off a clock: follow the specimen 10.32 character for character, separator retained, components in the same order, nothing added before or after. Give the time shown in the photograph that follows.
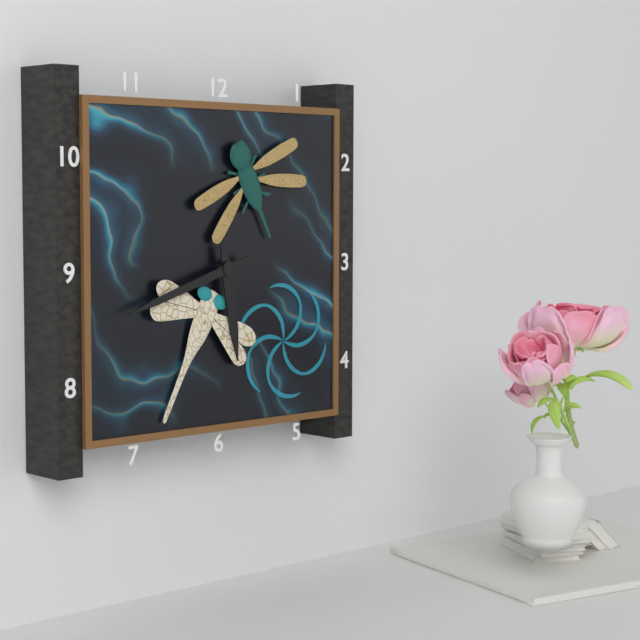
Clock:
5.42
